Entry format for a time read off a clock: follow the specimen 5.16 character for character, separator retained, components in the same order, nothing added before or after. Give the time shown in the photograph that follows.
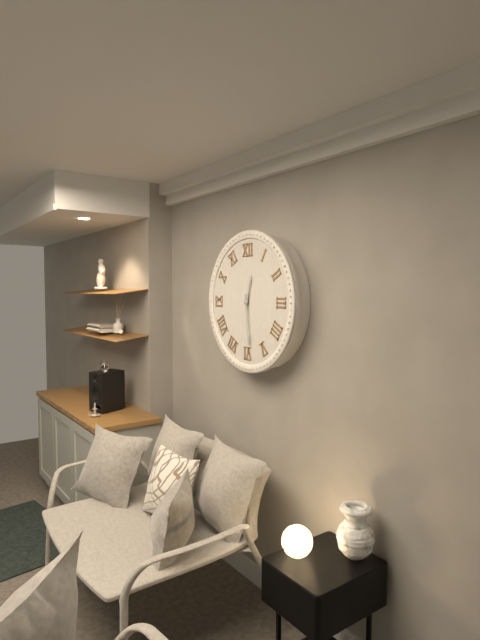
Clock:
12.29
